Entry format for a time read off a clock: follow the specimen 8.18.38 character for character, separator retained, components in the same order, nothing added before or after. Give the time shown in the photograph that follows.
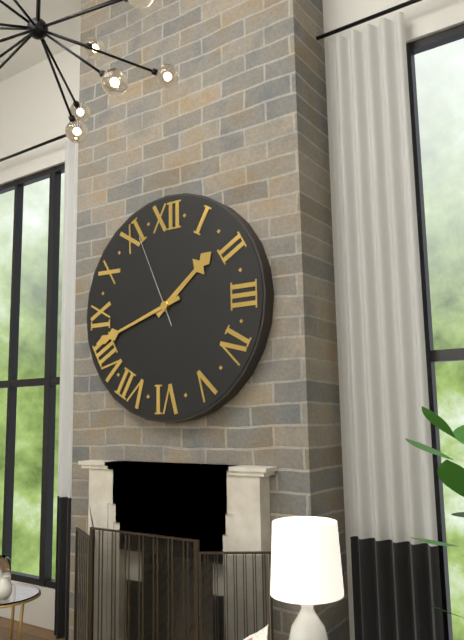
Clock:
1.42.56
